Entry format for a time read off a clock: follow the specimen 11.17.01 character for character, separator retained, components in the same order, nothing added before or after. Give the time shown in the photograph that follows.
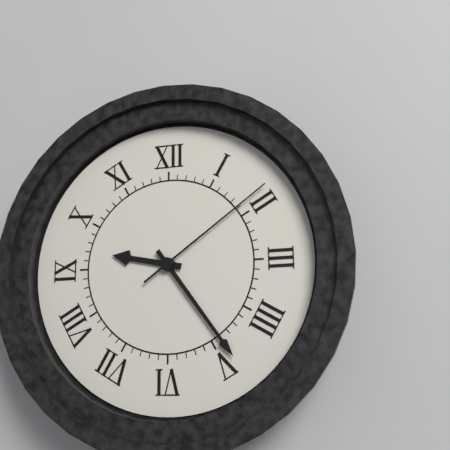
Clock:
9.24.09
